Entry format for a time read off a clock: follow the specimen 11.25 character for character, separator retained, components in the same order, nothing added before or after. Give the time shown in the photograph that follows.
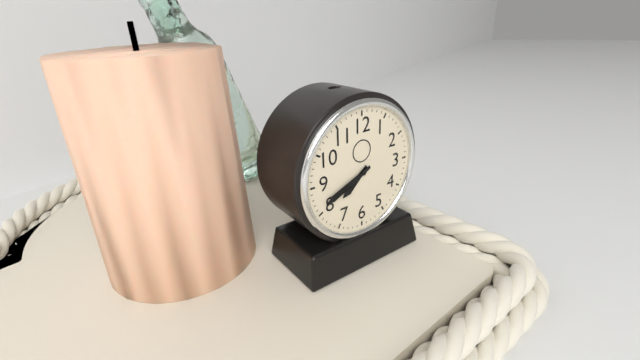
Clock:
7.41
